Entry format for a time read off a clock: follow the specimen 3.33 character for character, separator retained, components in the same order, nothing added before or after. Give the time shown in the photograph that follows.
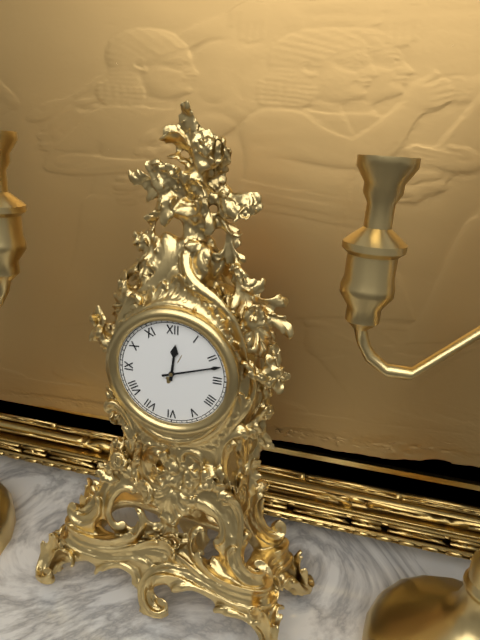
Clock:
12.12
